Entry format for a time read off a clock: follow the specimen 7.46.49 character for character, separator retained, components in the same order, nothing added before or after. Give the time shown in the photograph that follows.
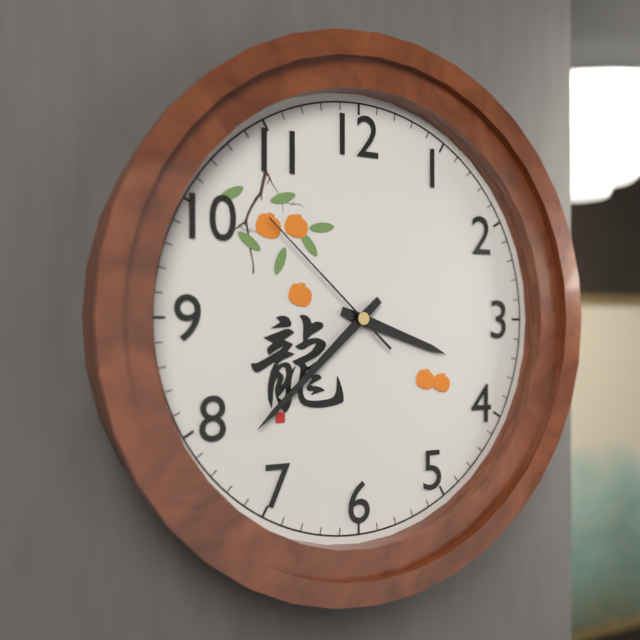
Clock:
3.38.52
